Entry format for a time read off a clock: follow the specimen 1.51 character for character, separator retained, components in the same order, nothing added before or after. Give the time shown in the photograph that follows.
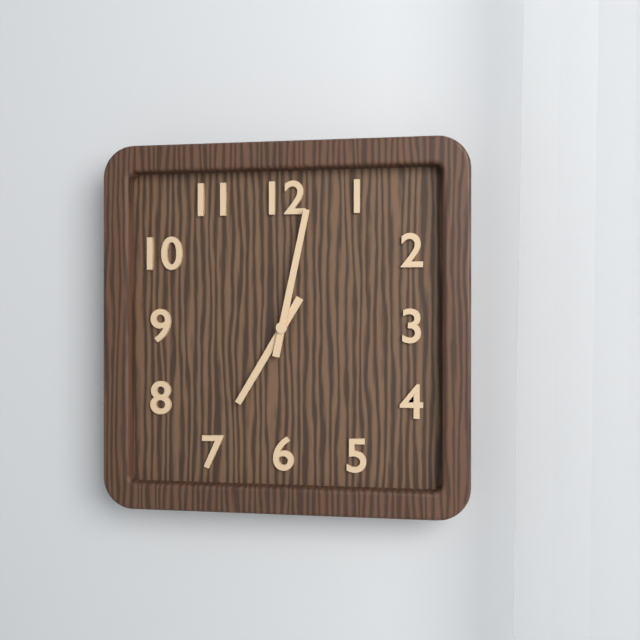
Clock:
7.02
